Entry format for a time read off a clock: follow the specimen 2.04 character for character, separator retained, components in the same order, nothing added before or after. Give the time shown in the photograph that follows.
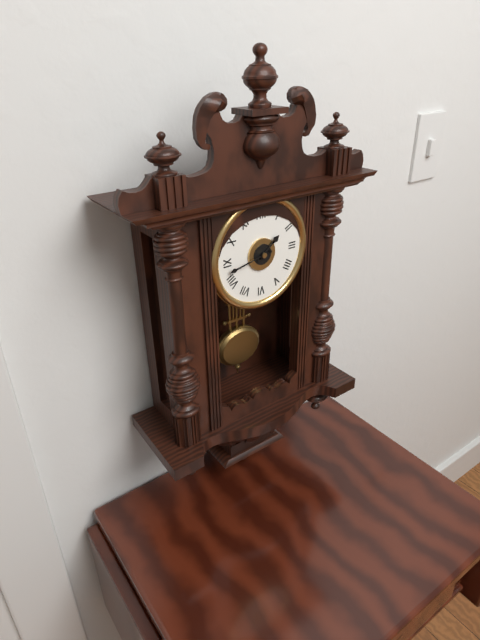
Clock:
1.43
